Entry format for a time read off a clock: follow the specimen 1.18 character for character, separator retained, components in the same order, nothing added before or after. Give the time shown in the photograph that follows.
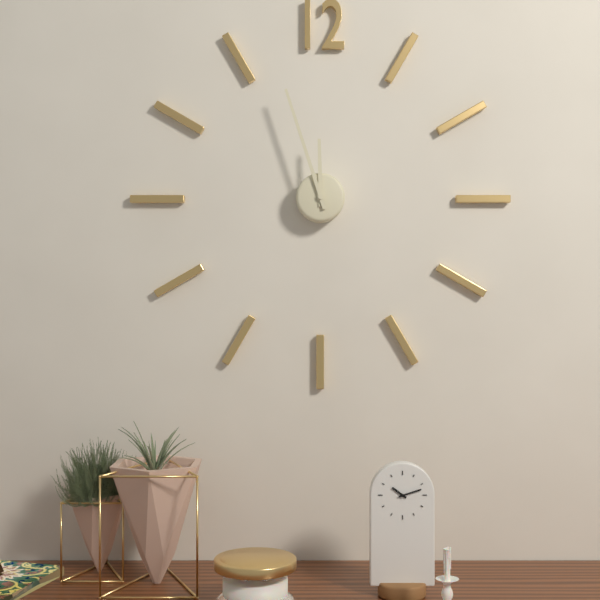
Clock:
11.57
